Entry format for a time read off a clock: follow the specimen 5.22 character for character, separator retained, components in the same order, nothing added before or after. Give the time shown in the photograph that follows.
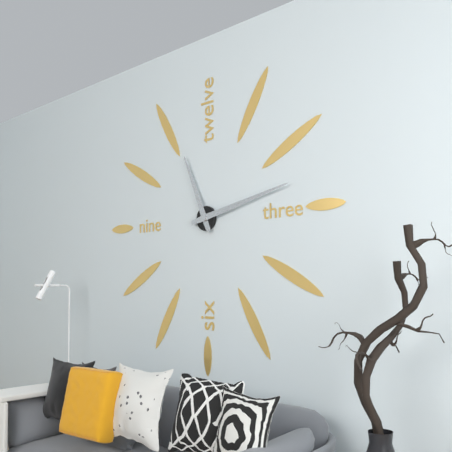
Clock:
11.13
